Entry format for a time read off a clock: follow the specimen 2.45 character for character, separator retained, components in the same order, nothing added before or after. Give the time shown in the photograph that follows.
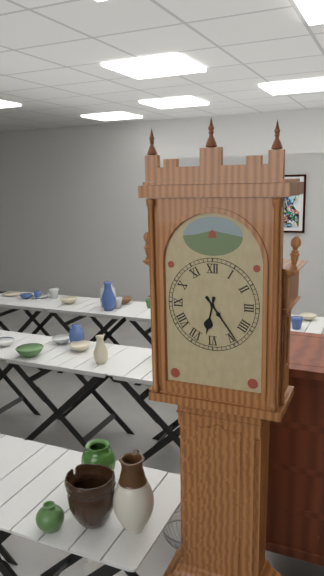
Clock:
6.24
